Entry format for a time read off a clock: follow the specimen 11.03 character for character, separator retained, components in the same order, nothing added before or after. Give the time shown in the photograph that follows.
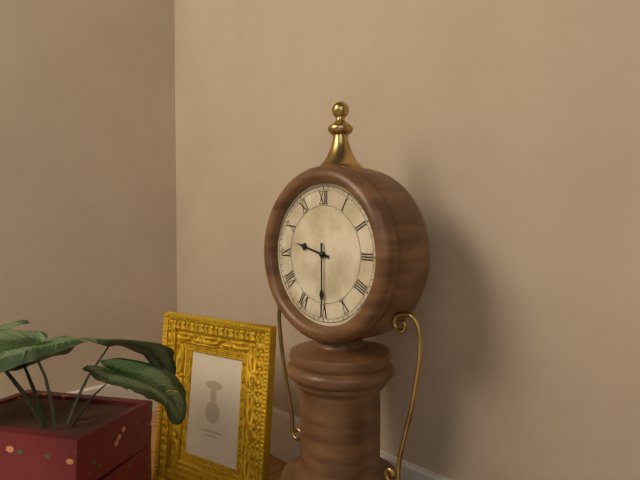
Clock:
9.30
